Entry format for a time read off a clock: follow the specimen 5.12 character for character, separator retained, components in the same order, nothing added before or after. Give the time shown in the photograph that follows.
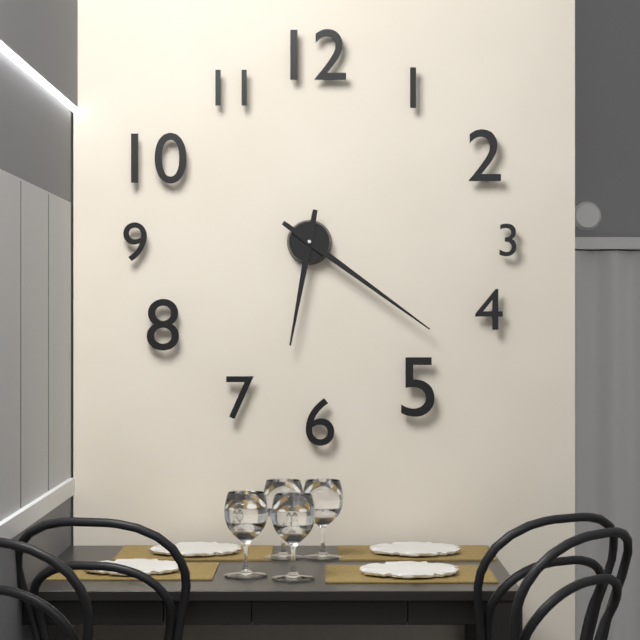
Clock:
6.21
